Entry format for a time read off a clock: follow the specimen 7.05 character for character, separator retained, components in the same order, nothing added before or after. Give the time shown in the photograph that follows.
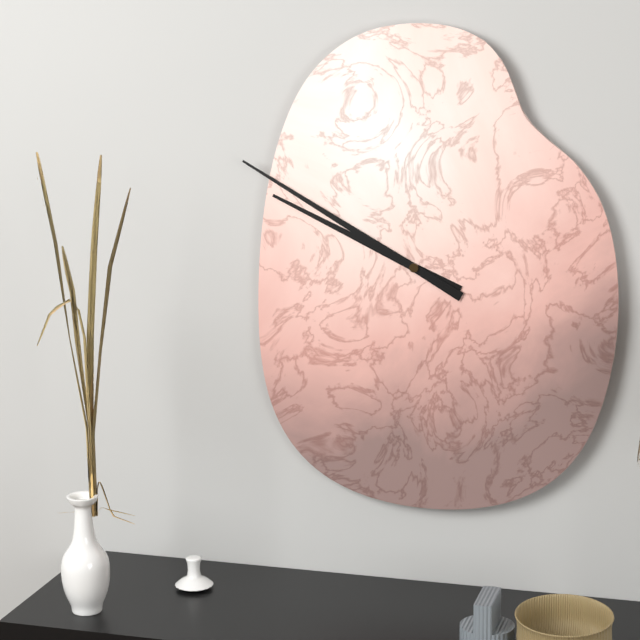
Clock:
9.50
